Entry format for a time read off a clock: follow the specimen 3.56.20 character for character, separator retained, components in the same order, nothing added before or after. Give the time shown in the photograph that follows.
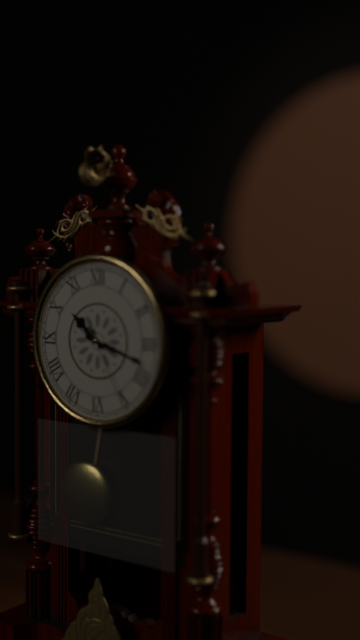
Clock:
10.18.25
